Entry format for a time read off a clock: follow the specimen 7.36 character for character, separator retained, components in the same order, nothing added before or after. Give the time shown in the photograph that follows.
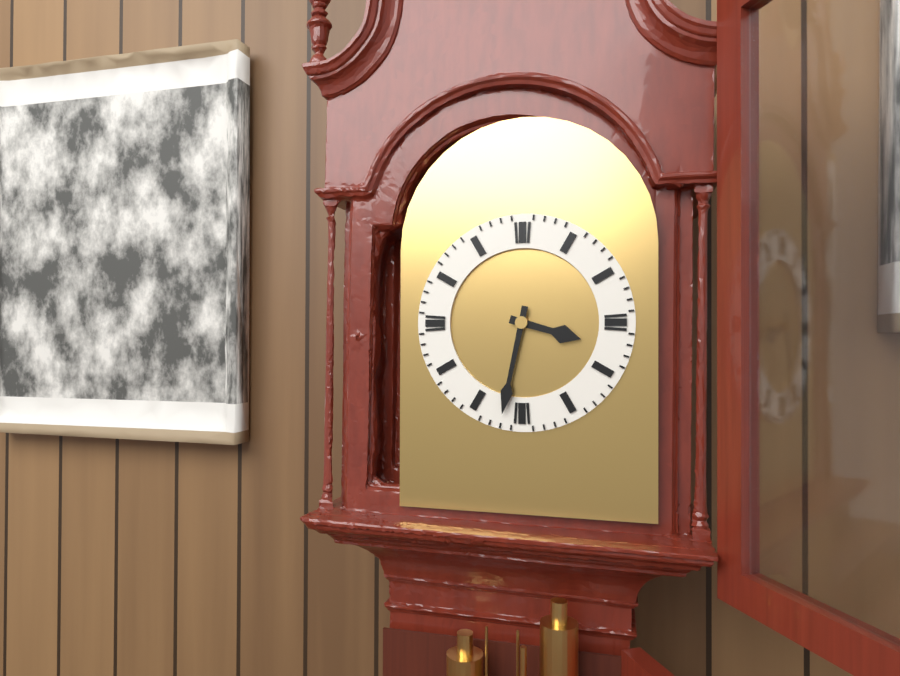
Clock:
3.32
